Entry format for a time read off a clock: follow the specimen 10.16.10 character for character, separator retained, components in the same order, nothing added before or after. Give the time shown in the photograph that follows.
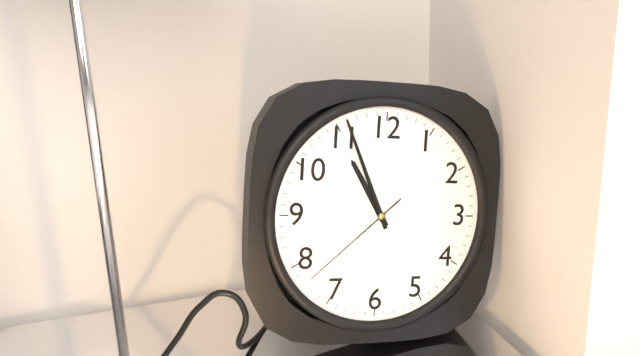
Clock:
10.56.38
